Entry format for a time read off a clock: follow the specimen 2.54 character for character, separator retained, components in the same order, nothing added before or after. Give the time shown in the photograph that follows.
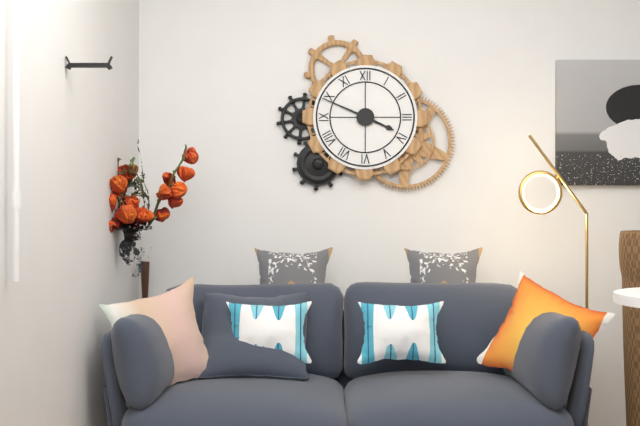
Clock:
3.49
